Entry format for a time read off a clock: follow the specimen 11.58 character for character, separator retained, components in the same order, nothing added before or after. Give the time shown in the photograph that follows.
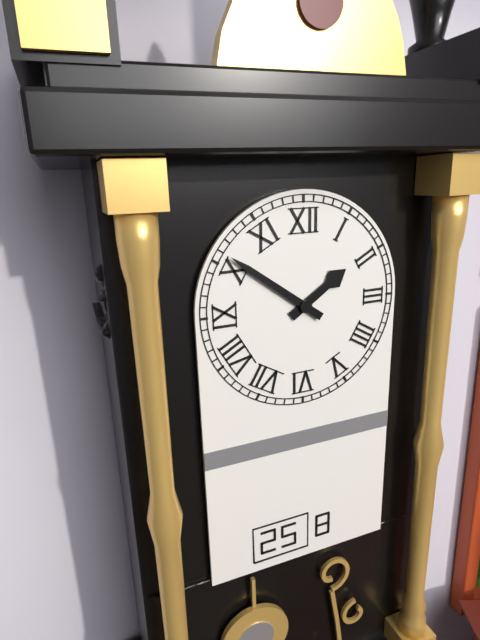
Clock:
1.51
